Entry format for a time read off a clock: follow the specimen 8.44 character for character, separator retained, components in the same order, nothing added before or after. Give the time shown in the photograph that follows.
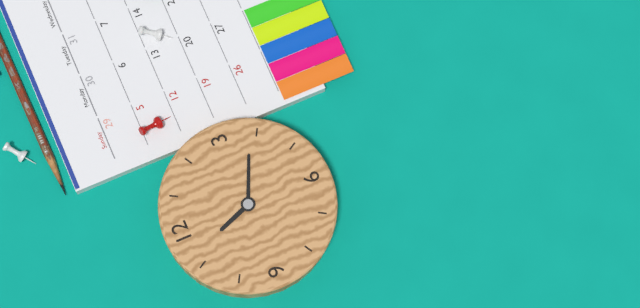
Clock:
11.19
